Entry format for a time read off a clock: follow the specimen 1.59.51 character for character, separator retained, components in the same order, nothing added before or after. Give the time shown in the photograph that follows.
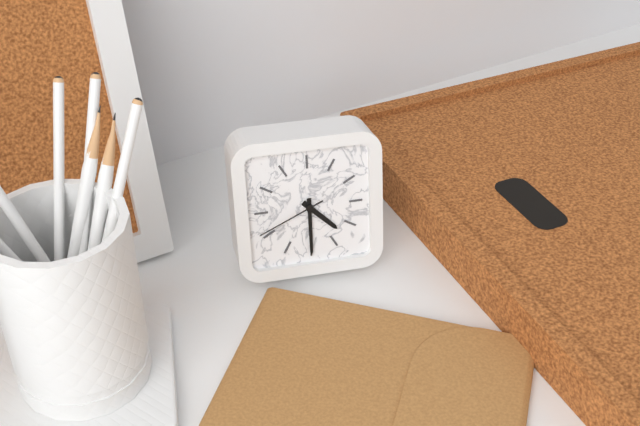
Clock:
4.30.41
